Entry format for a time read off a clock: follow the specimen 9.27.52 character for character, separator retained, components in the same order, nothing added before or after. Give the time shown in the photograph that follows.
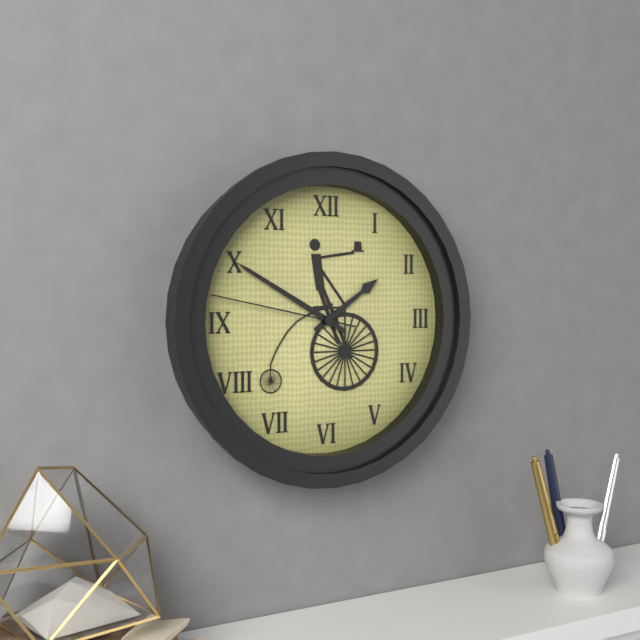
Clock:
1.50.47
